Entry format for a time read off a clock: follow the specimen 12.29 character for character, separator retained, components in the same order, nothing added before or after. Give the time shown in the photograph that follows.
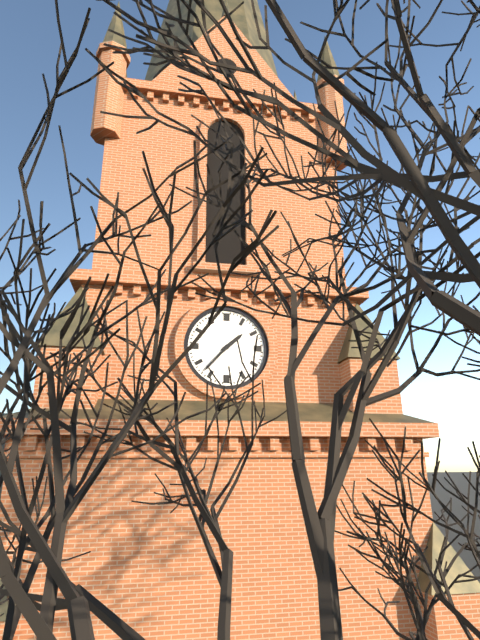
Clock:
1.37
